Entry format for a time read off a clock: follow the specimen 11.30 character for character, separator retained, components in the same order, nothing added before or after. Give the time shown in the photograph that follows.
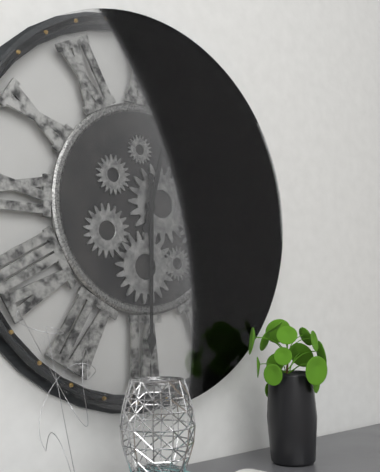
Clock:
12.30
